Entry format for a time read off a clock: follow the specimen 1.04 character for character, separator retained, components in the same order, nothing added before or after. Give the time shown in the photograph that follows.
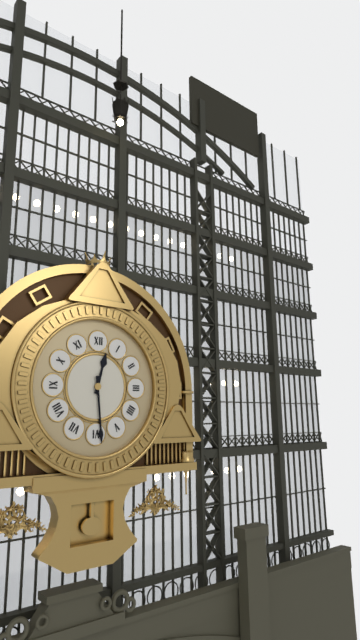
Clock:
12.29
